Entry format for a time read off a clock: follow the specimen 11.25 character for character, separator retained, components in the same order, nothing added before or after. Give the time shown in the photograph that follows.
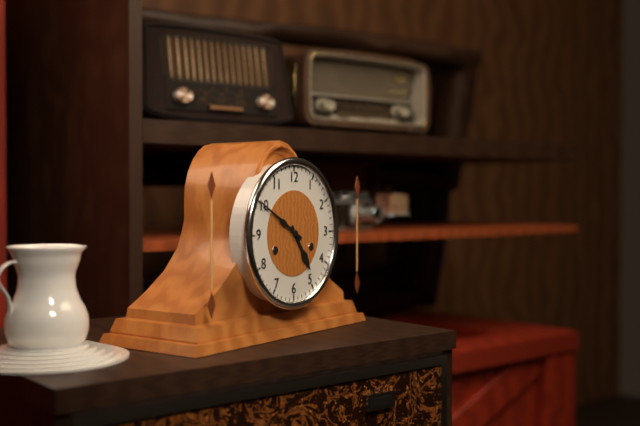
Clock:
4.50
